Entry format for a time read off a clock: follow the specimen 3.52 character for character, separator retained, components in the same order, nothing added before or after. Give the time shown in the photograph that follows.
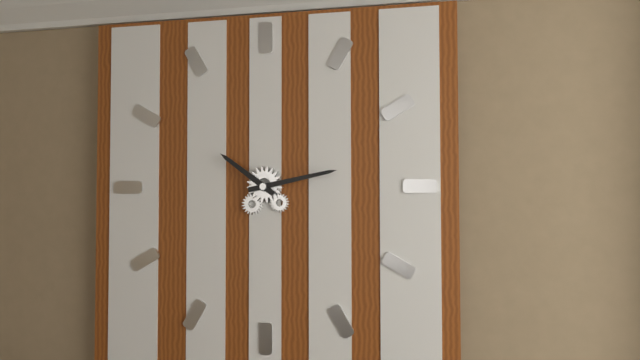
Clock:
10.13
